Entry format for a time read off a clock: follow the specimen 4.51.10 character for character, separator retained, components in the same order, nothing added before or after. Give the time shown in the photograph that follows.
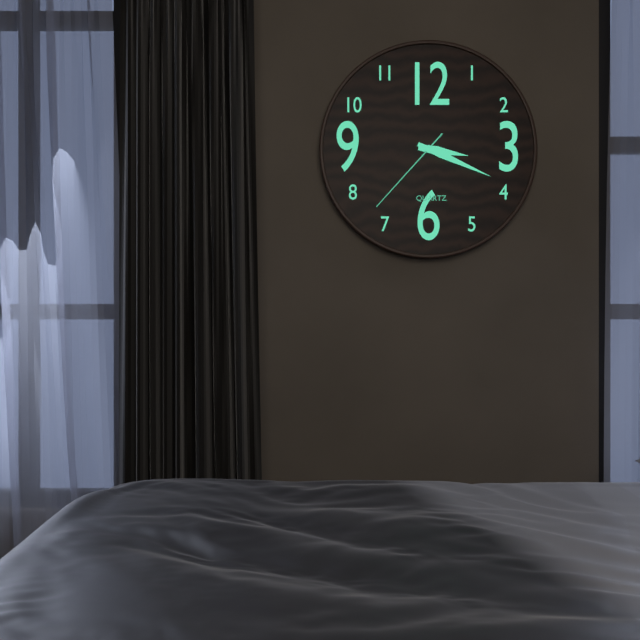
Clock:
3.19.37
